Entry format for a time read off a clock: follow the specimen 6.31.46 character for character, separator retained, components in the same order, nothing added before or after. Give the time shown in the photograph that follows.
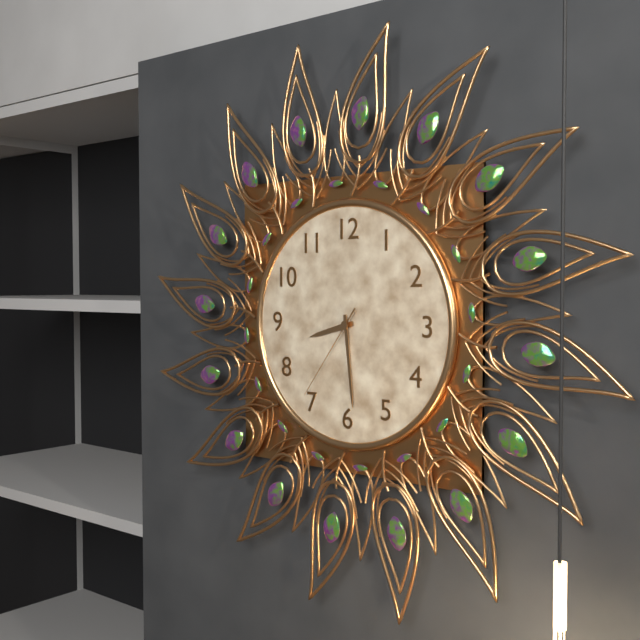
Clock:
8.29.36
